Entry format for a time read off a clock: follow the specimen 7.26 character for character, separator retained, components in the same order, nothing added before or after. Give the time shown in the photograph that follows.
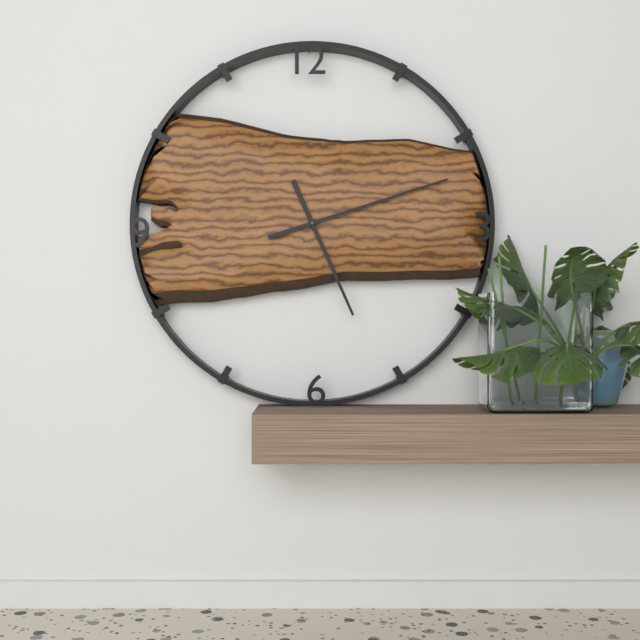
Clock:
5.12
